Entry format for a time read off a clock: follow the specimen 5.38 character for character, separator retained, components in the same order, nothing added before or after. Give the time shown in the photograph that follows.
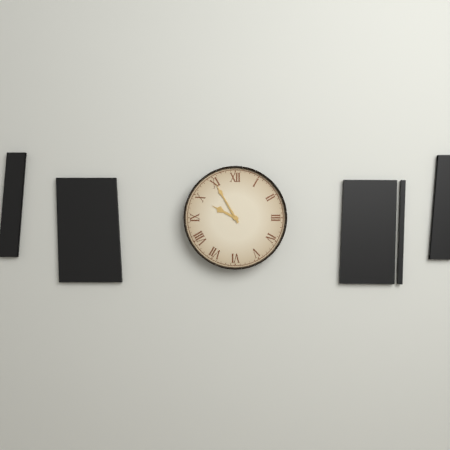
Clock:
9.55
